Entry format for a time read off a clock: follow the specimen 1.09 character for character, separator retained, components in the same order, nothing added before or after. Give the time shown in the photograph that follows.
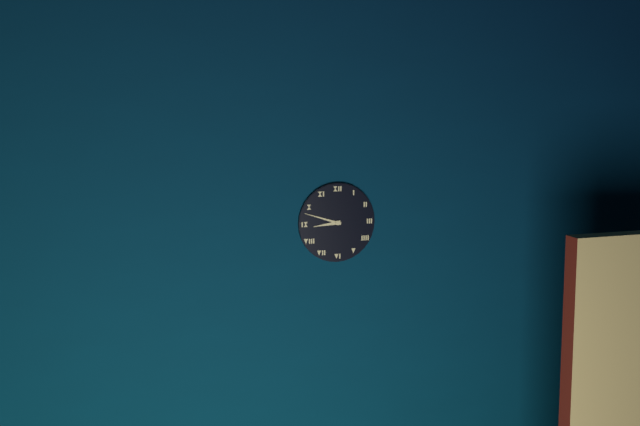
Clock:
8.48
